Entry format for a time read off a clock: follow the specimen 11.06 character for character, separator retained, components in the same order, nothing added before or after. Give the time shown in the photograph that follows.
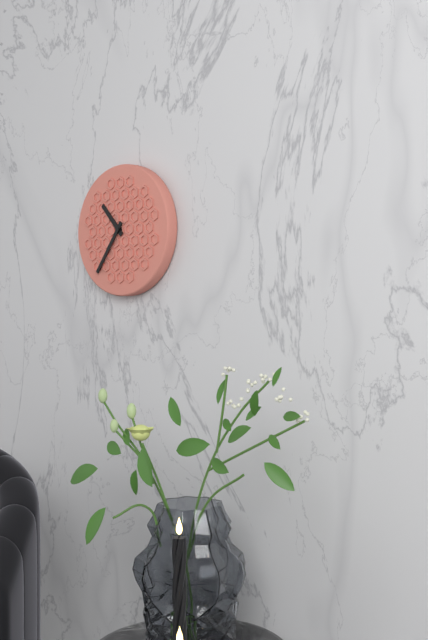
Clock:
10.36
